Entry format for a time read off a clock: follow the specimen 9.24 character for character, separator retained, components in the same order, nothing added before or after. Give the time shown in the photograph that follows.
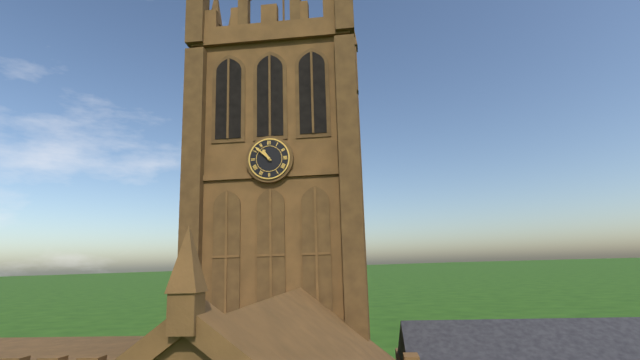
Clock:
10.52
